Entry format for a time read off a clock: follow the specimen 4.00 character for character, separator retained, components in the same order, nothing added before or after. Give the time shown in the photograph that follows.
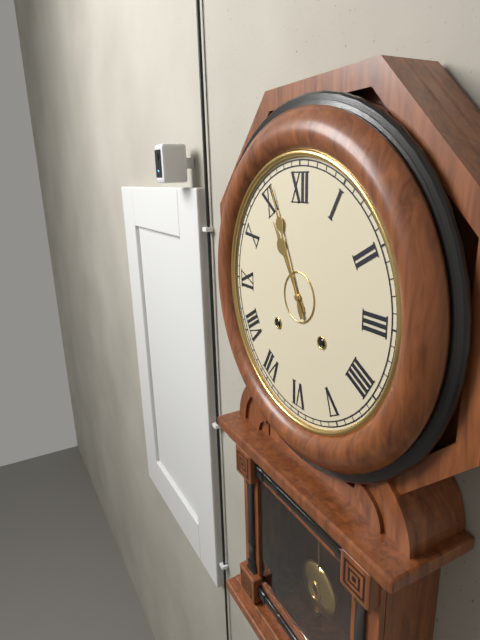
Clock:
10.56
